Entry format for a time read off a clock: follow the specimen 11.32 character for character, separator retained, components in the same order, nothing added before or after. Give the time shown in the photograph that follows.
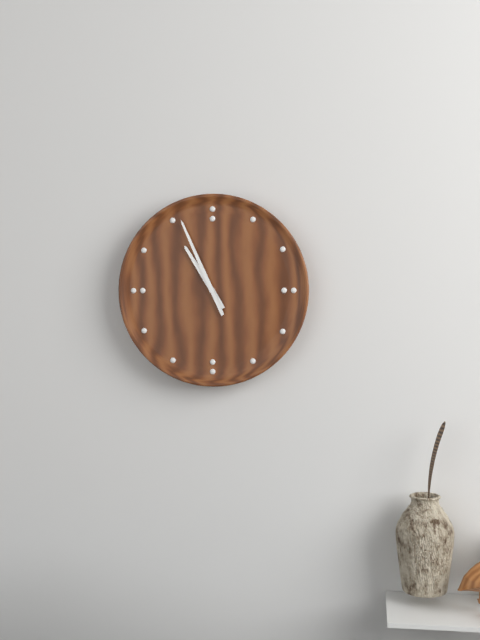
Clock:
10.56
